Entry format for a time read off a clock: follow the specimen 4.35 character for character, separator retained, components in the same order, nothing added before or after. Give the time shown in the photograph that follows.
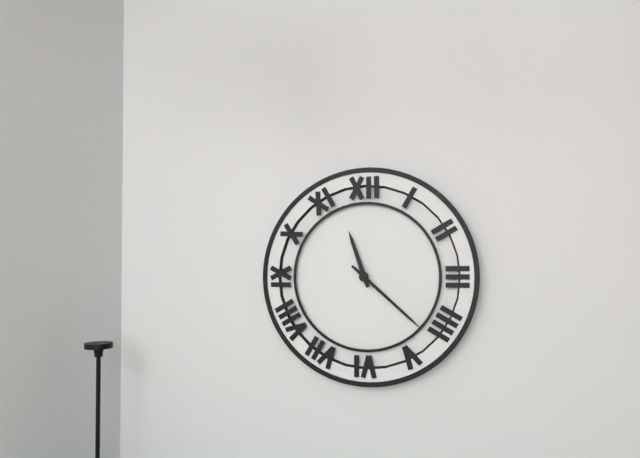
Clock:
11.22
